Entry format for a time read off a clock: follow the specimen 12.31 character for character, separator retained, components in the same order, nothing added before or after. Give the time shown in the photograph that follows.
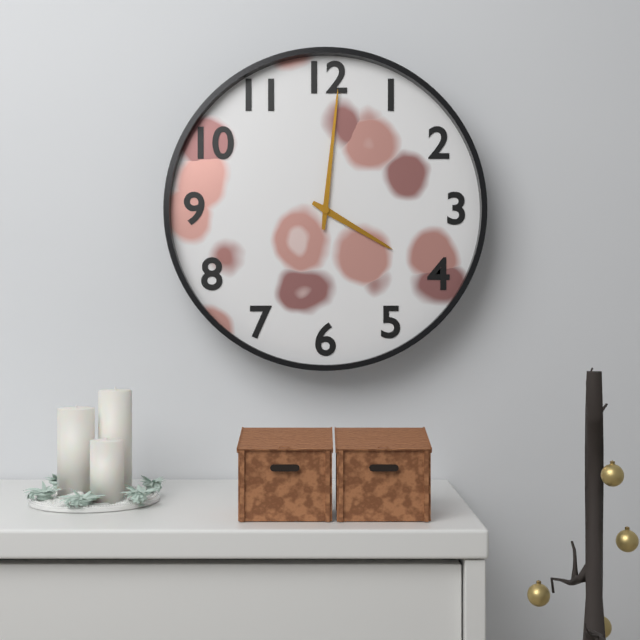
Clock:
4.01
